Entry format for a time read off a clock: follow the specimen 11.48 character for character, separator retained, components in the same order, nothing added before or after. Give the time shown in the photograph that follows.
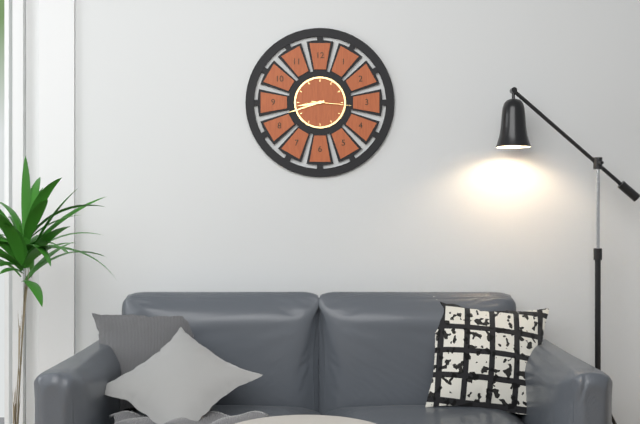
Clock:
8.42
